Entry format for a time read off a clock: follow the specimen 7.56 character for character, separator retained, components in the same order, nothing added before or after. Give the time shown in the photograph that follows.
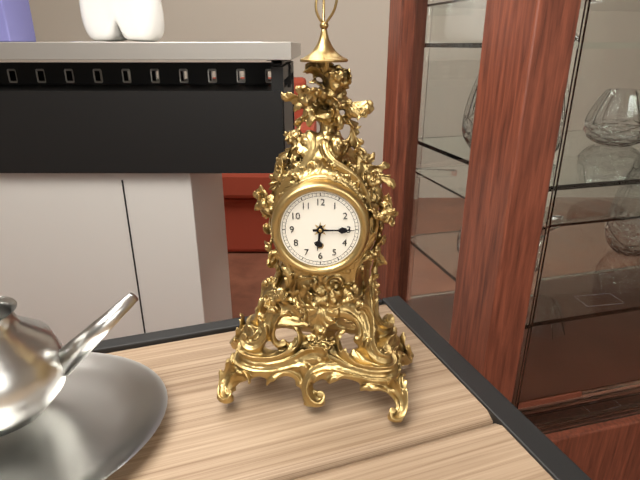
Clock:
6.15
